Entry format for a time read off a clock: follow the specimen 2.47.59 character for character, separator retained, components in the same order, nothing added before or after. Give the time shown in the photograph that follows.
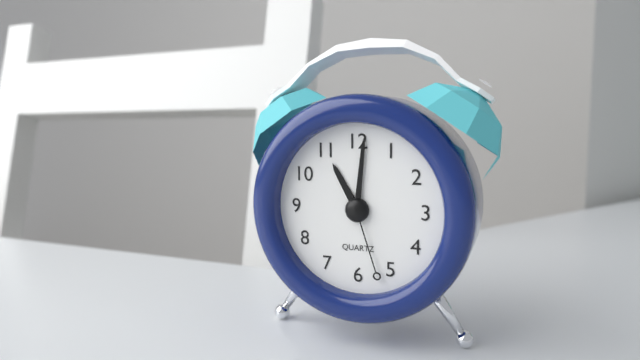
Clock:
11.01.27
